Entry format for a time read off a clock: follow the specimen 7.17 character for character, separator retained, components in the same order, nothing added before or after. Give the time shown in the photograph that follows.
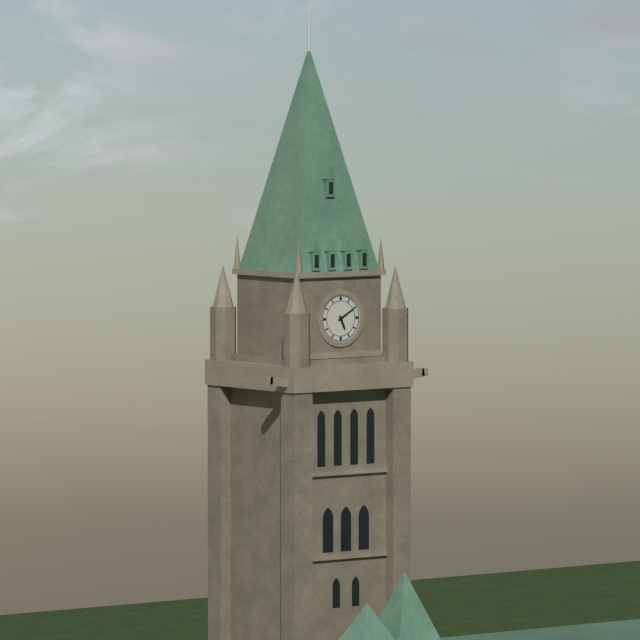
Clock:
5.10
